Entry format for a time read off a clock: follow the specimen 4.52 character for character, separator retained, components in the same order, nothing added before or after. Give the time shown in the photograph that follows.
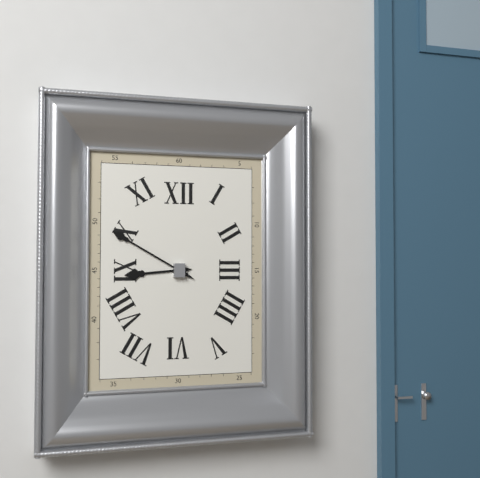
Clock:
8.50
